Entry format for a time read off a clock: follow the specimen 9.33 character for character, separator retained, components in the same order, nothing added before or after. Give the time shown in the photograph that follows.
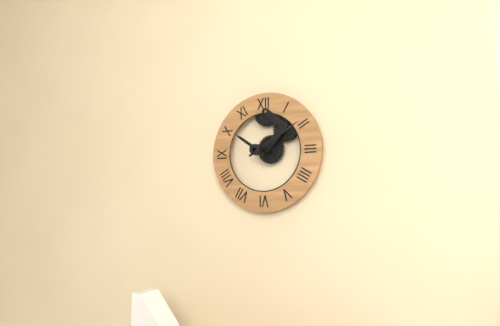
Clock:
10.10
